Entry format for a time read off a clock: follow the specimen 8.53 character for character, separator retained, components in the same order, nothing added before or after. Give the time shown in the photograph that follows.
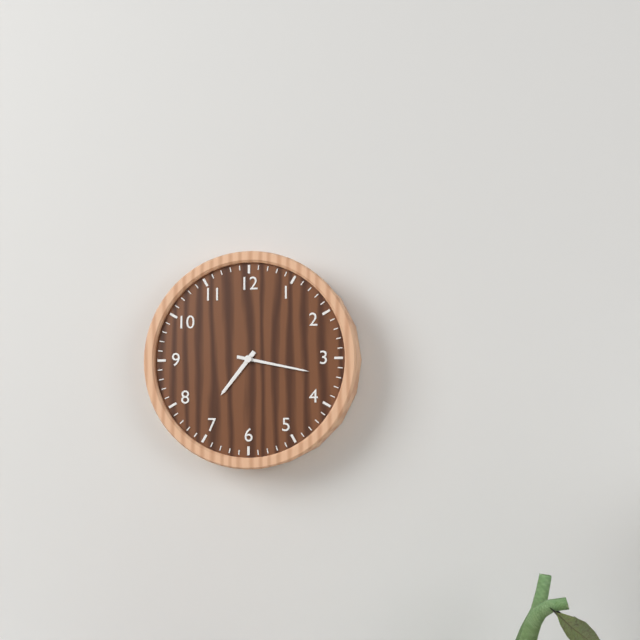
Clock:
7.17
